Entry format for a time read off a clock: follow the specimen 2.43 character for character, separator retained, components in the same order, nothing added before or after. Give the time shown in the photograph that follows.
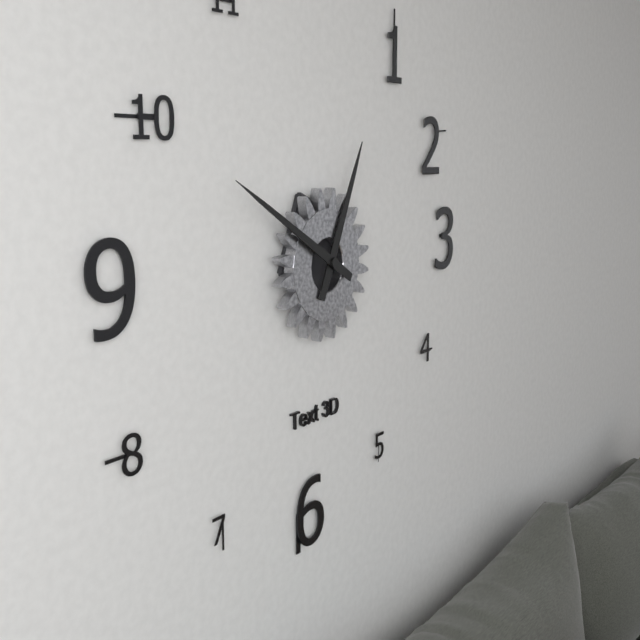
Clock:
12.50
